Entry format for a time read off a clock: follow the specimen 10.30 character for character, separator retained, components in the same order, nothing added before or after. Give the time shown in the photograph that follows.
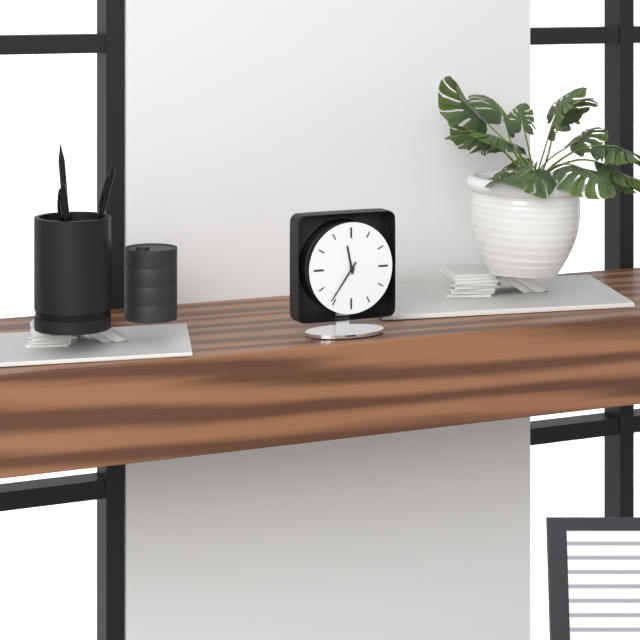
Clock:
11.36
